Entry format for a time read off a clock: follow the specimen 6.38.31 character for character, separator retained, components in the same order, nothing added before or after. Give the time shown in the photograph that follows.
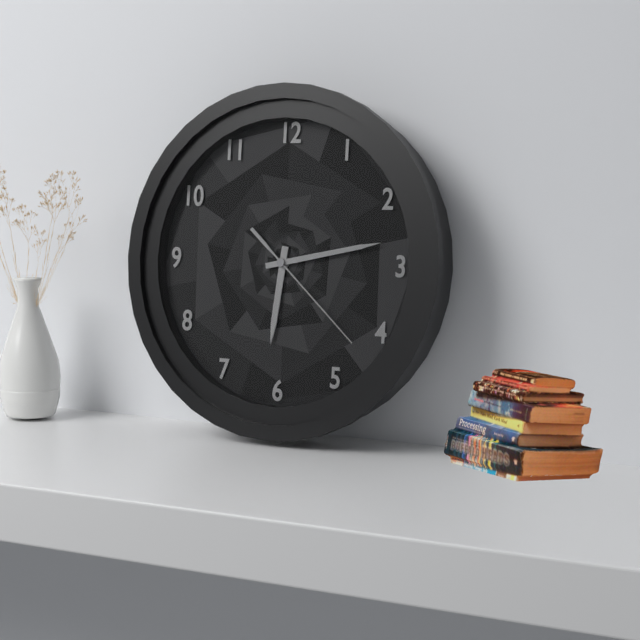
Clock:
6.13.22
